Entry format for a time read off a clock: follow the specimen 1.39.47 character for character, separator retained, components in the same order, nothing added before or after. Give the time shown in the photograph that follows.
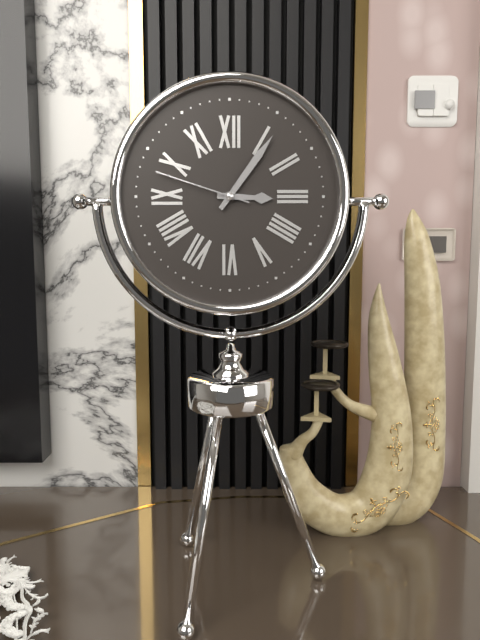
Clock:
3.06.48
